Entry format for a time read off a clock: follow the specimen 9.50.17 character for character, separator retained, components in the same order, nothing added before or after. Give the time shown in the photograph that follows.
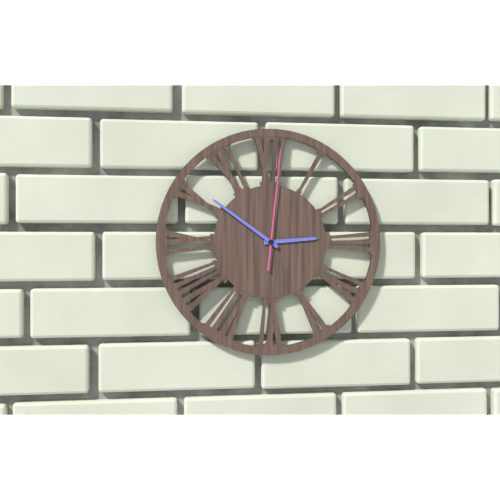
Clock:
2.51.01
